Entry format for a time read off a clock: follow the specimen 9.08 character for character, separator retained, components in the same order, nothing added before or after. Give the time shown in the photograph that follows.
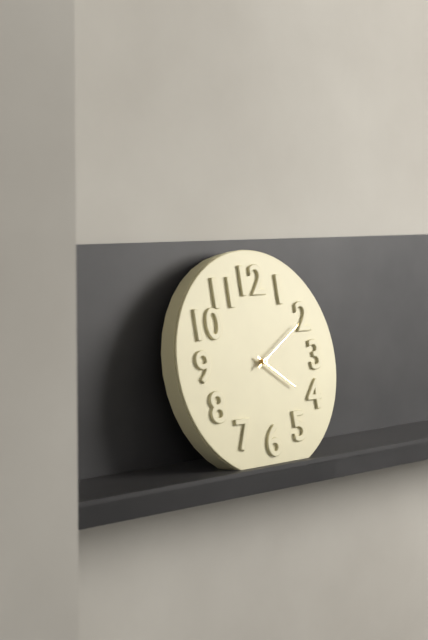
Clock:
4.10
